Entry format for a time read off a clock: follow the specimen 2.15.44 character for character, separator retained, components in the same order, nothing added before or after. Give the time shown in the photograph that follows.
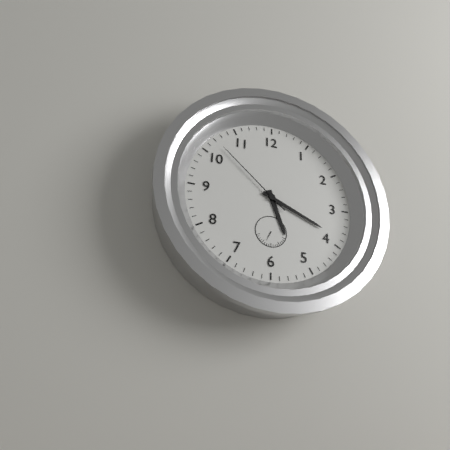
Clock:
5.19.52
